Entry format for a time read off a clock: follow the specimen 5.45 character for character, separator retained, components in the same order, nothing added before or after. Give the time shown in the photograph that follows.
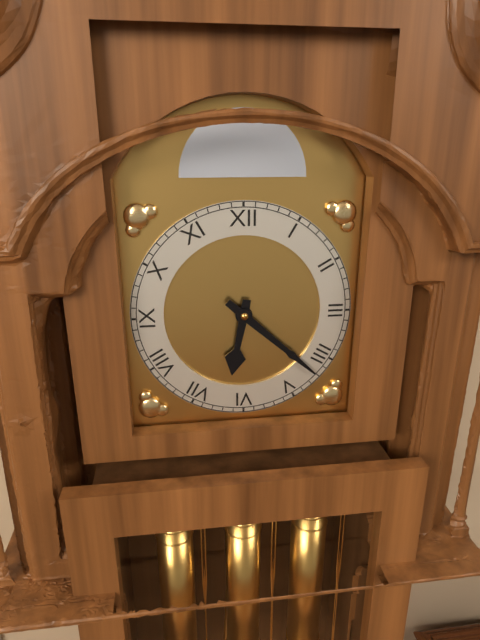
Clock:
6.22
